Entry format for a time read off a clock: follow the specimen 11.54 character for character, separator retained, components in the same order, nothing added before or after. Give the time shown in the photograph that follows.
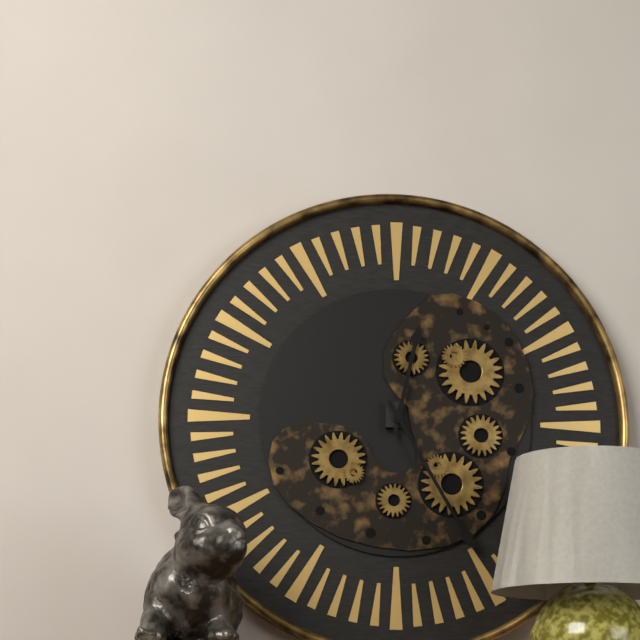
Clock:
12.25
